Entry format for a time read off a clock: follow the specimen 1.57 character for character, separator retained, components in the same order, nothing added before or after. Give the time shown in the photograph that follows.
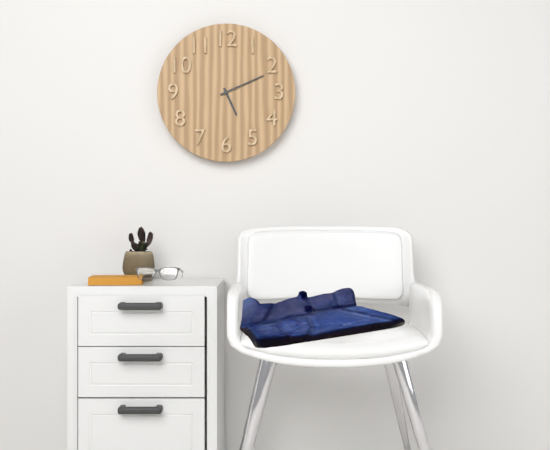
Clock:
5.11
